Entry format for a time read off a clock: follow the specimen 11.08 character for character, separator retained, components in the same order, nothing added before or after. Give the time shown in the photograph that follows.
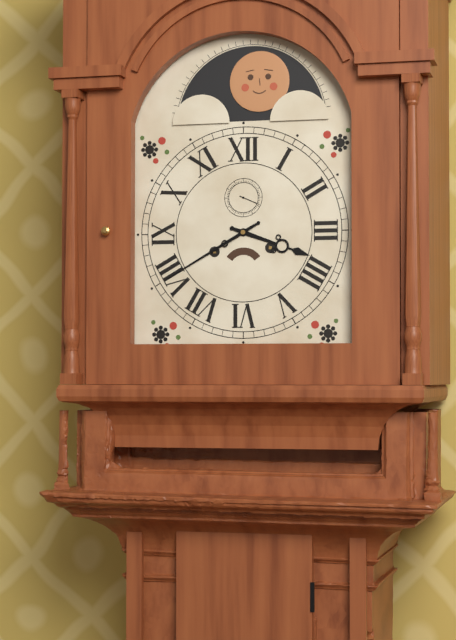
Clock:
3.40
